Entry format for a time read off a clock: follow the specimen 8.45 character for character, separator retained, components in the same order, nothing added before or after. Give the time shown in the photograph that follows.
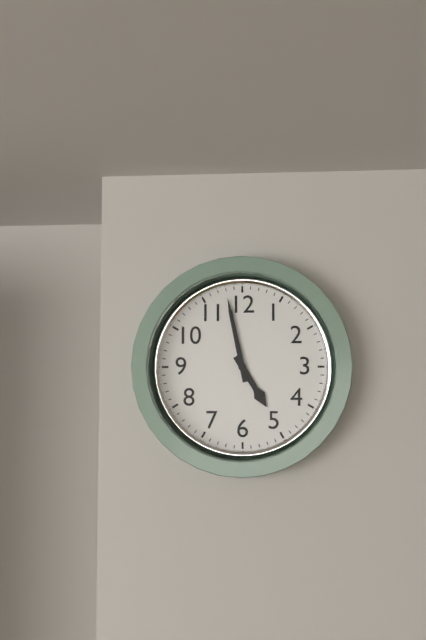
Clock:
4.58
